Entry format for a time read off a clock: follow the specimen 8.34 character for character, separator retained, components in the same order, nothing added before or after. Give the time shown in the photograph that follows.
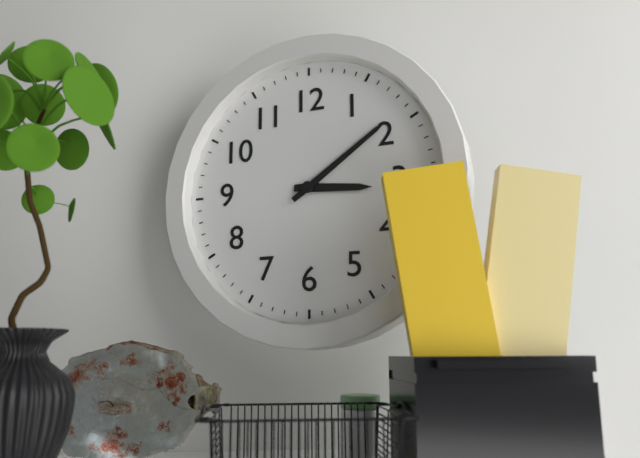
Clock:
3.09
